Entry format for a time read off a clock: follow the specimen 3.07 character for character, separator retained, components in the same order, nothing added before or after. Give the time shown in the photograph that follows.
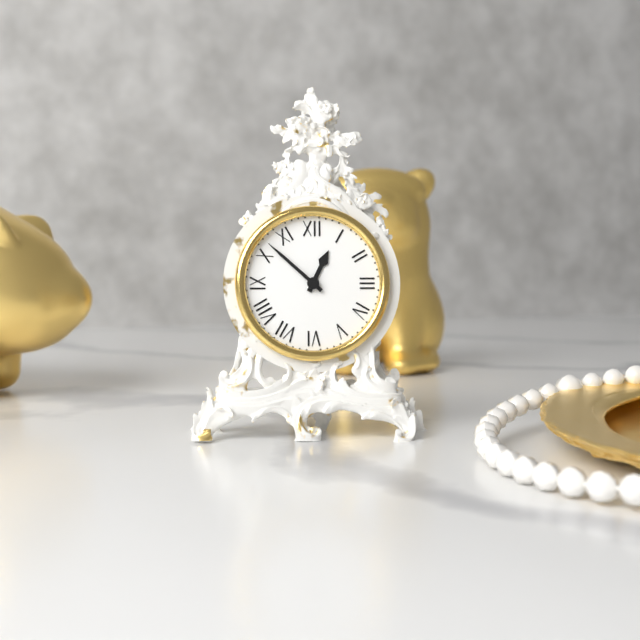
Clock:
12.52
